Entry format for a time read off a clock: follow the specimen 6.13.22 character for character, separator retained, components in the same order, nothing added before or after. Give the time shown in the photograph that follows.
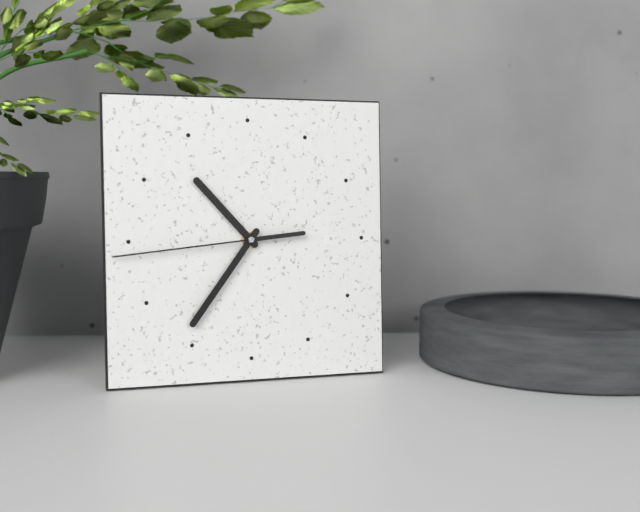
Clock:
10.36.44
